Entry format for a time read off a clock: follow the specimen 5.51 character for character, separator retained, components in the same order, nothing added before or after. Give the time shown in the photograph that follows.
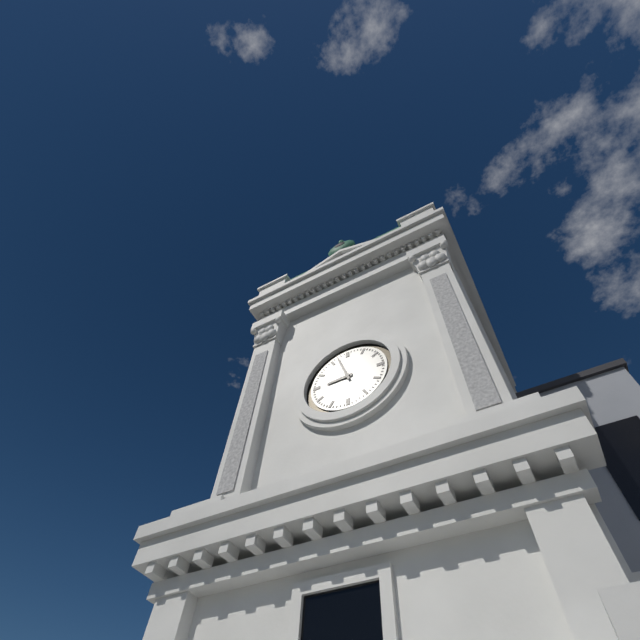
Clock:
8.57
